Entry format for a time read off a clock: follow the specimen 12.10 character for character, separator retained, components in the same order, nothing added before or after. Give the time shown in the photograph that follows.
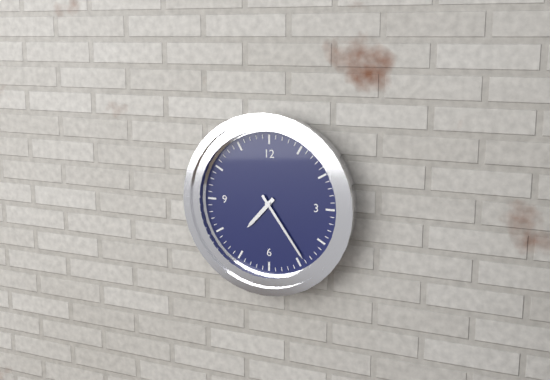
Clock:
7.24
